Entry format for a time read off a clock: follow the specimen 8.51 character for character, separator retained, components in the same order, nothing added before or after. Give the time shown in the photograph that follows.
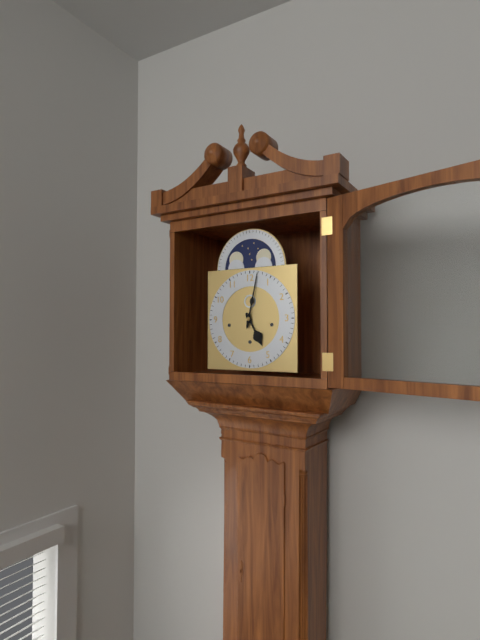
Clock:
5.02
